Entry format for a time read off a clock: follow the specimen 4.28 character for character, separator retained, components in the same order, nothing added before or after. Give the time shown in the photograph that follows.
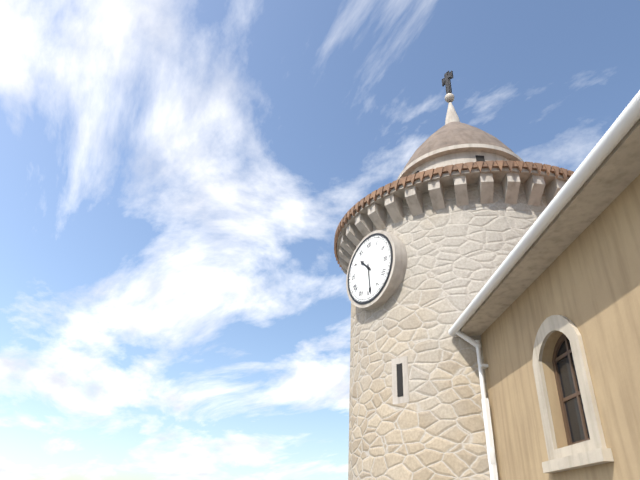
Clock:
10.29
